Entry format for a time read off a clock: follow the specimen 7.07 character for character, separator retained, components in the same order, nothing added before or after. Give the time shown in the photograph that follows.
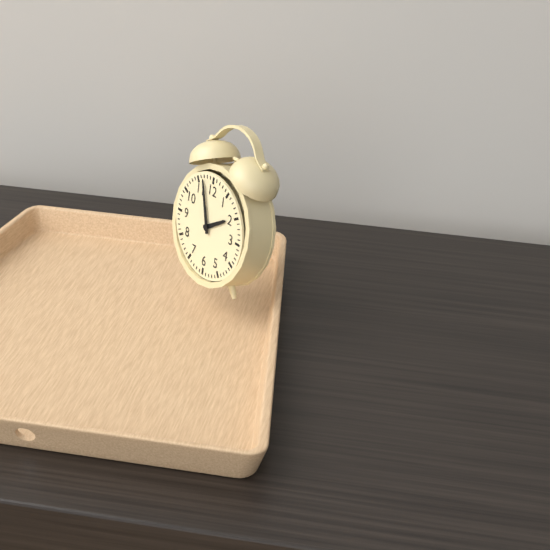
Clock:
1.57
